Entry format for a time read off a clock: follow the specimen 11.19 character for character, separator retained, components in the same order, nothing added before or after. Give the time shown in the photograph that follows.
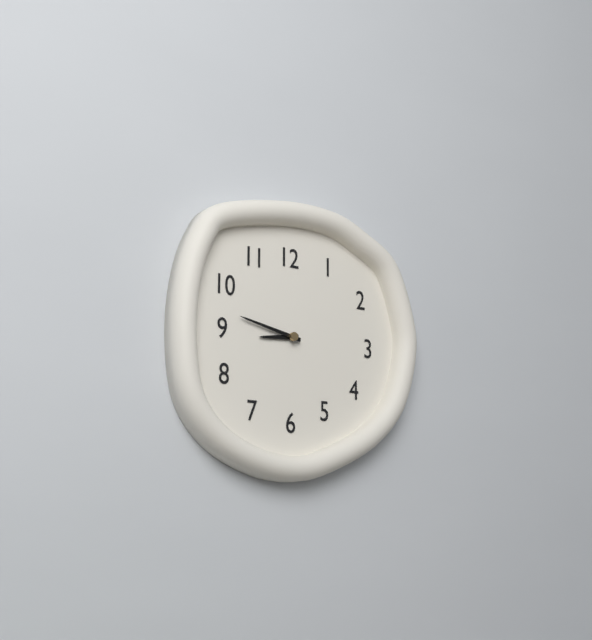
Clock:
8.47
